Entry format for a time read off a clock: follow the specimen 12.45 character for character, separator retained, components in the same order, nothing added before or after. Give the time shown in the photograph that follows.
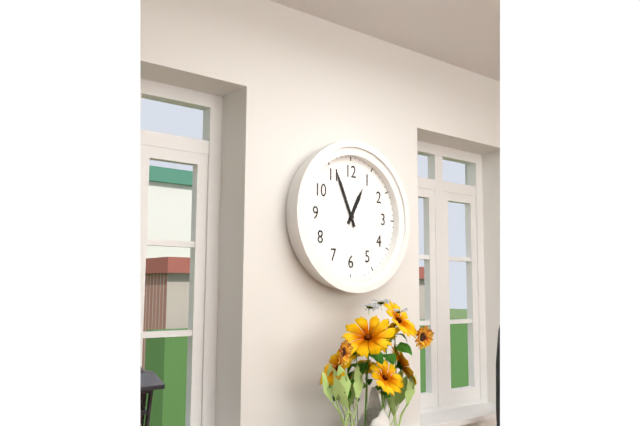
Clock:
12.56
